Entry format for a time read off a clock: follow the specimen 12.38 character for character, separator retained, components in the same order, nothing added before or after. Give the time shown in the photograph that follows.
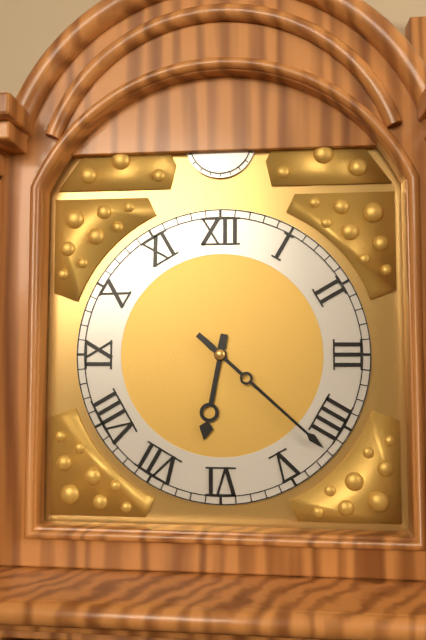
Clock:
6.22
